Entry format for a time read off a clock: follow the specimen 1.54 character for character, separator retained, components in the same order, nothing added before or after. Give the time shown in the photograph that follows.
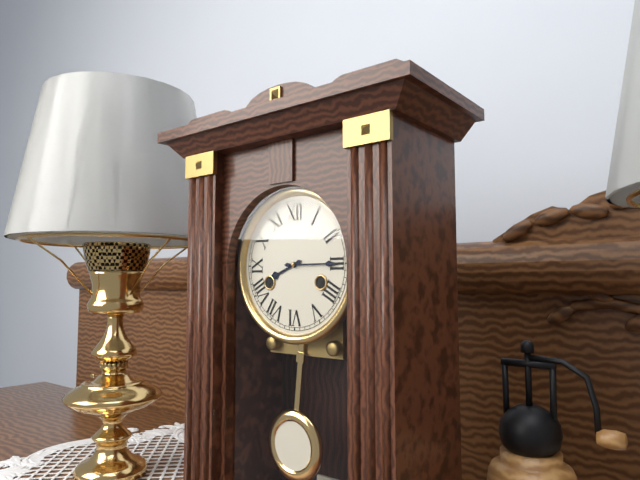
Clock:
8.15
